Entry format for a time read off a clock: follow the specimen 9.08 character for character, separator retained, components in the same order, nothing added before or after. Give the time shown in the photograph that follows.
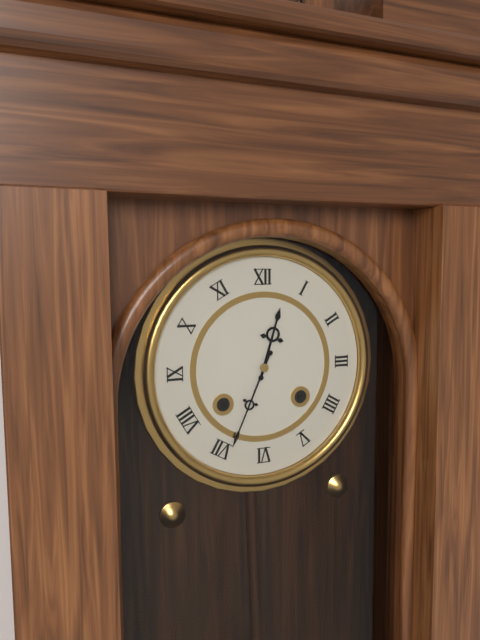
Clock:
12.34
